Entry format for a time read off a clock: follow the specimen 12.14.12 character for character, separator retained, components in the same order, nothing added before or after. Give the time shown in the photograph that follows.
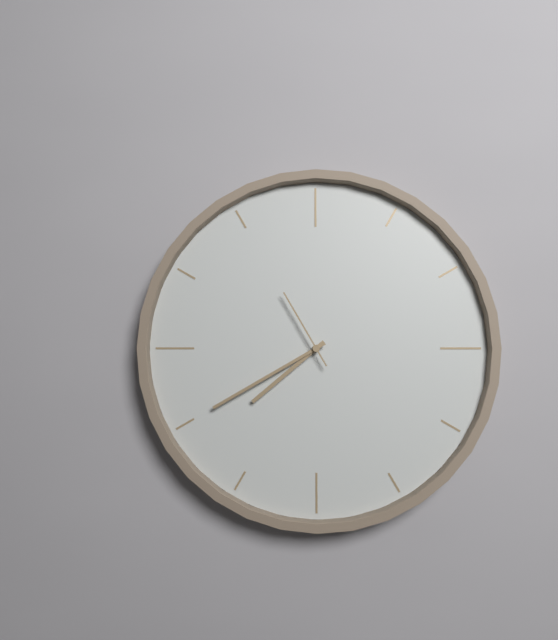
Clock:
7.40.55
